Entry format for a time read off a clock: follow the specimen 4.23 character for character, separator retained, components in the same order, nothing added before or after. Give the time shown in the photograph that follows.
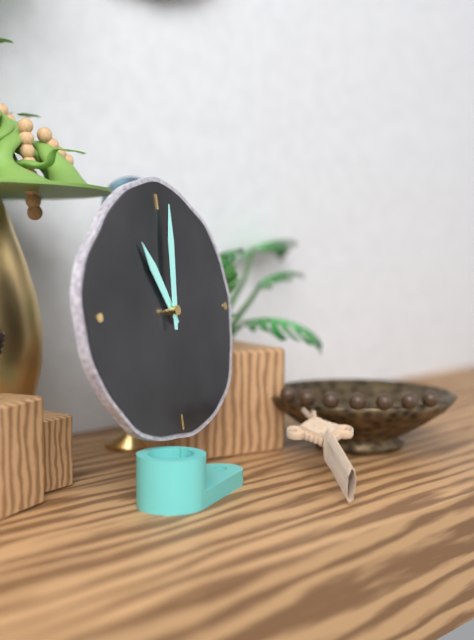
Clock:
11.01
